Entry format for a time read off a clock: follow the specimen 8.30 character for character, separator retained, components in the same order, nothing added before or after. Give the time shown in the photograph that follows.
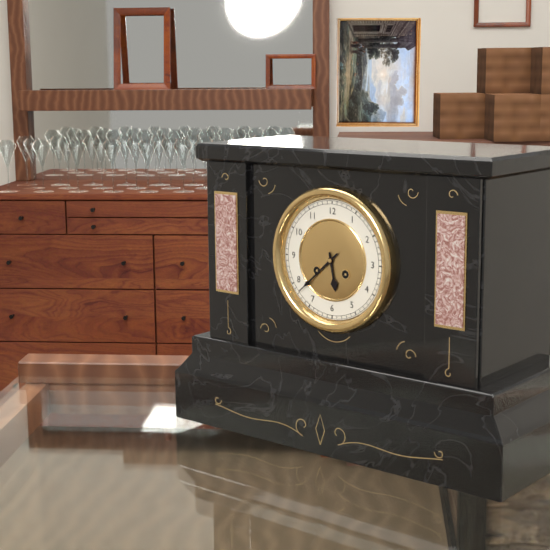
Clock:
5.38
